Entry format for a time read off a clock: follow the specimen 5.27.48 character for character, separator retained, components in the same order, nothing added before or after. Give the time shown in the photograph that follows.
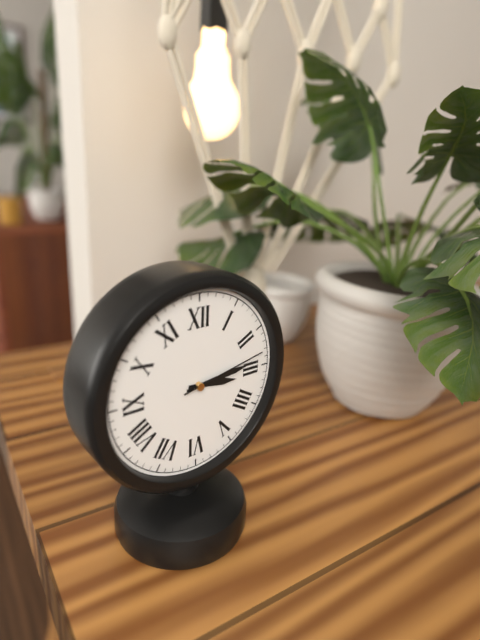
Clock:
3.14.13
